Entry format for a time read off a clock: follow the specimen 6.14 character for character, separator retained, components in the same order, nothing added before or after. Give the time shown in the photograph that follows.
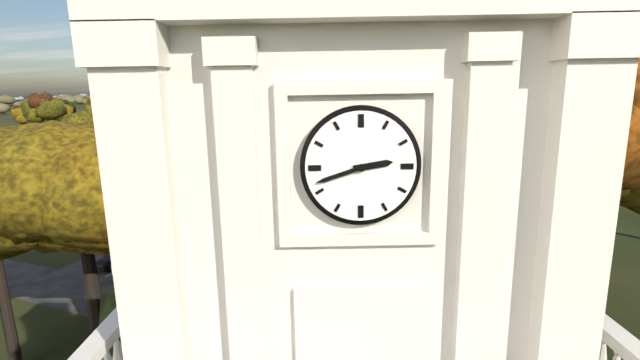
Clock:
2.42
